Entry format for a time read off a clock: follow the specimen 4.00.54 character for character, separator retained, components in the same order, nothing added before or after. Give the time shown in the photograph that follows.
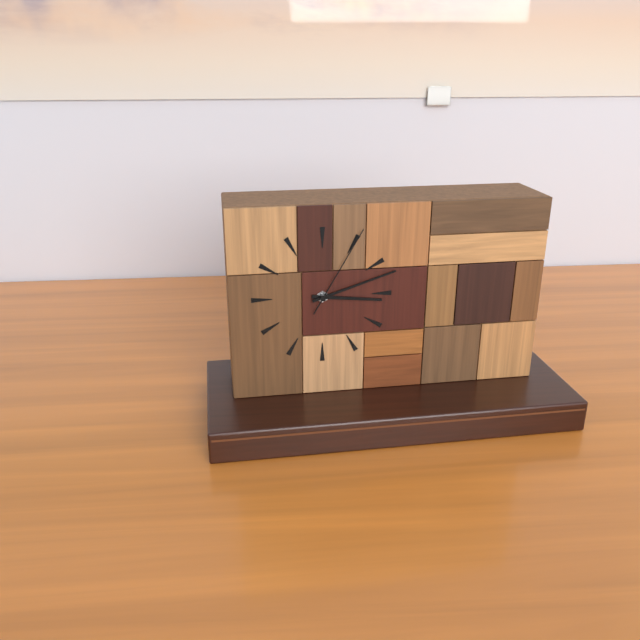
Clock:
3.12.05
